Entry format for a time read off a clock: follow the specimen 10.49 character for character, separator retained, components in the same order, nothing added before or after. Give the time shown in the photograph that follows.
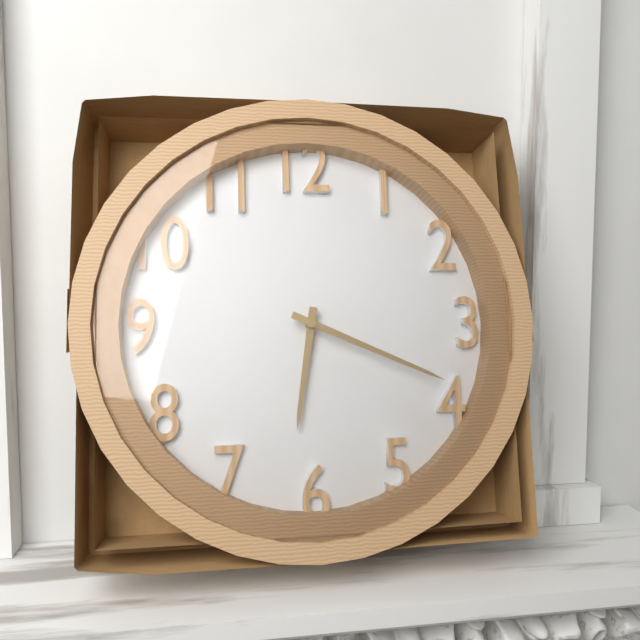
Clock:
6.19
